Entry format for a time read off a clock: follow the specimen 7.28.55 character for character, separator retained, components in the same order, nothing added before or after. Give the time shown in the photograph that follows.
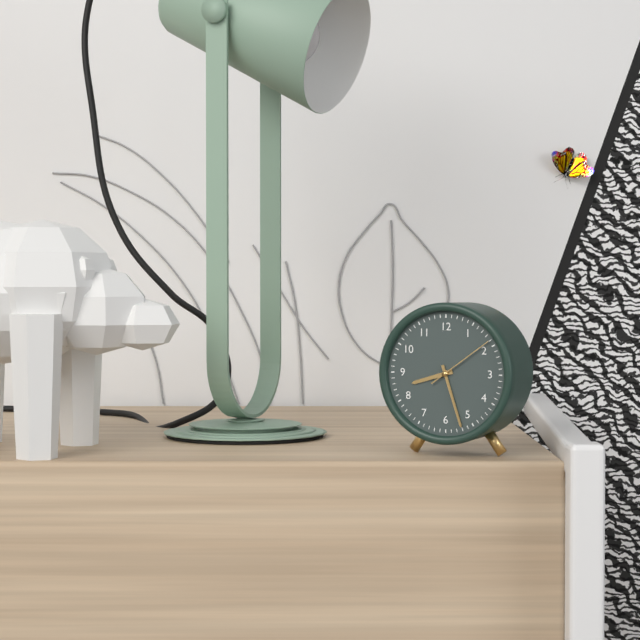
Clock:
8.27.09
